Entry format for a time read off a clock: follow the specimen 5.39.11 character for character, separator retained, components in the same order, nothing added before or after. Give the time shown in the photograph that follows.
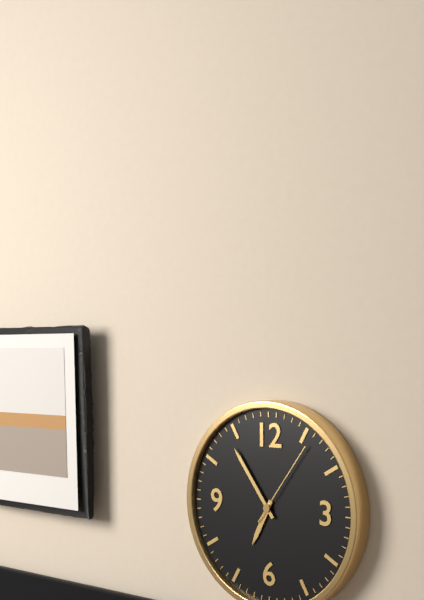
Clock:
6.54.06
